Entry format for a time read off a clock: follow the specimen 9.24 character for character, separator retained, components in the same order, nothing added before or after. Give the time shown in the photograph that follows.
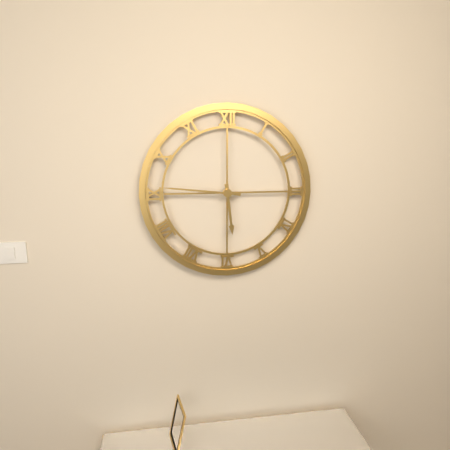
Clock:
5.46
